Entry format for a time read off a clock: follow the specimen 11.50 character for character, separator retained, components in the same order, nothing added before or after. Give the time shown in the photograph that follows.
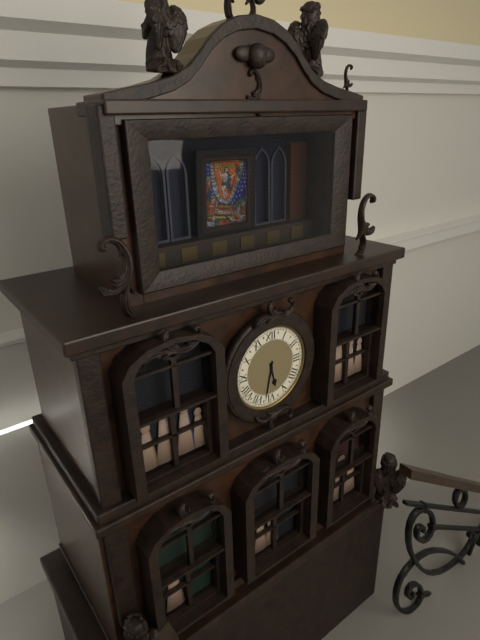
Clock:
5.32
